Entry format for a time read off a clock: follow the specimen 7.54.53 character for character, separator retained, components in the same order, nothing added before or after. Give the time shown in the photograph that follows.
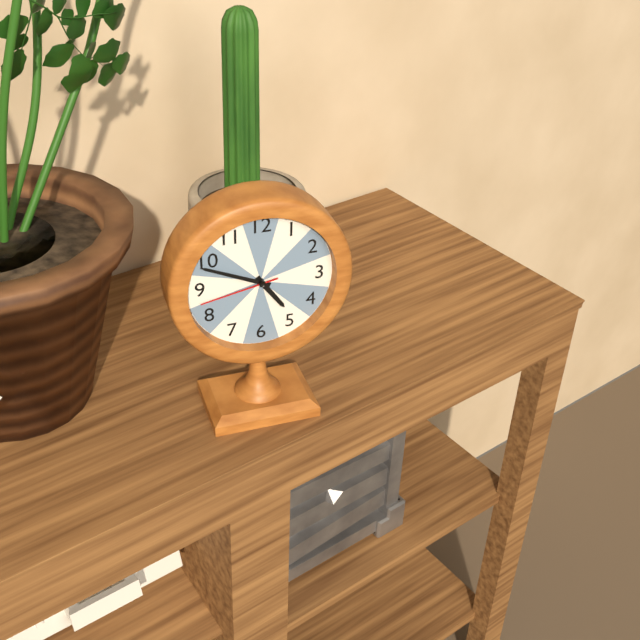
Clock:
4.49.43
